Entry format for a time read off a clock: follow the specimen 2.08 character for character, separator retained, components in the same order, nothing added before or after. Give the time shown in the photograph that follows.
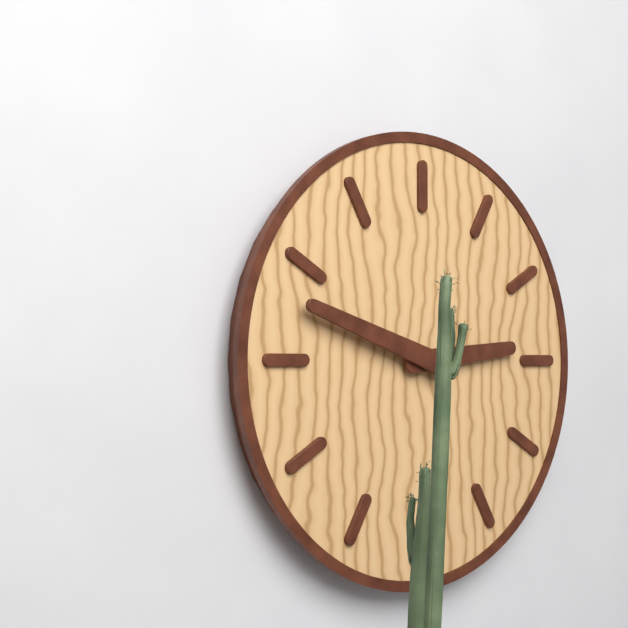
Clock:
2.48
